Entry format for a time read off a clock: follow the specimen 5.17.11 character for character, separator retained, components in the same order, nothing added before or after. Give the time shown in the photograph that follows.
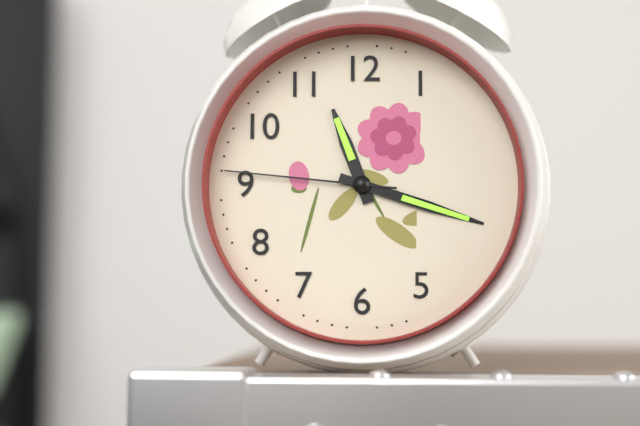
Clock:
11.18.46
